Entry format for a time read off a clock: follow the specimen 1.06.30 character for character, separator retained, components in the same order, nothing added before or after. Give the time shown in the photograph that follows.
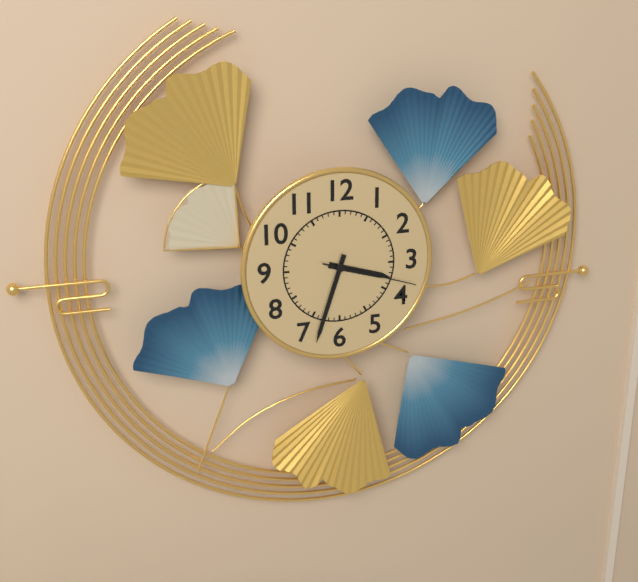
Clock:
3.33.18
